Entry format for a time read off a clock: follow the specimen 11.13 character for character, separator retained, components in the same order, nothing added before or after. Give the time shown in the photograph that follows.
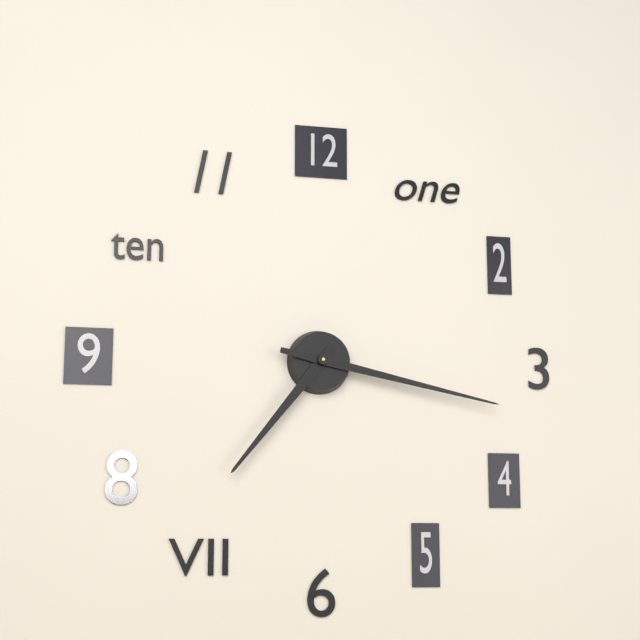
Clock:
7.17
